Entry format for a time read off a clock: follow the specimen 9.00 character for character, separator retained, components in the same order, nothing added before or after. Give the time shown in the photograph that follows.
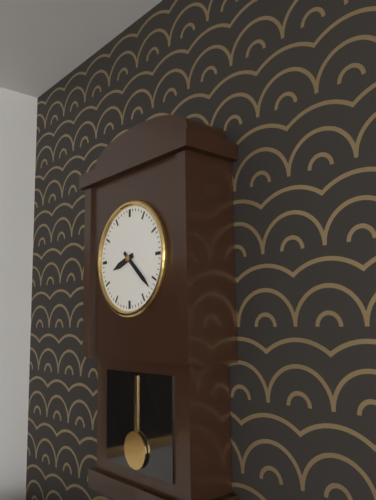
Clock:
8.22
